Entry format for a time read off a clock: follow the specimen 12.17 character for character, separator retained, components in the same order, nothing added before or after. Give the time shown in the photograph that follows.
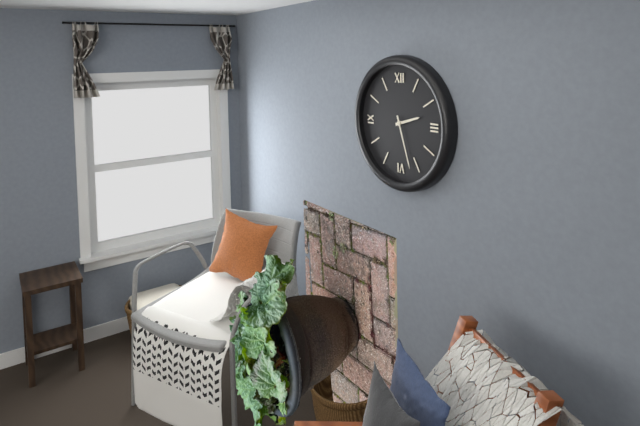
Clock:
2.27
